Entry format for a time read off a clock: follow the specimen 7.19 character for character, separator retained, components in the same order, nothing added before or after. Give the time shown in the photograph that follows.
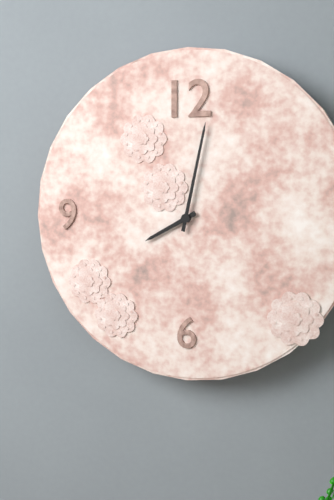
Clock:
8.02
